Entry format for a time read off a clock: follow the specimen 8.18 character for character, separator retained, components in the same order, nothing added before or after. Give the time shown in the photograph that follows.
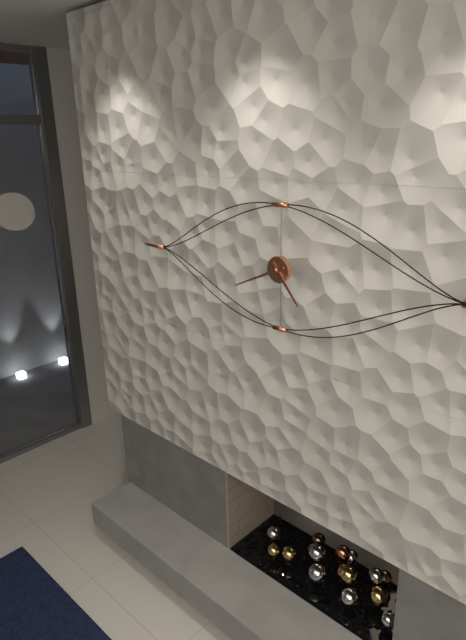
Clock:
4.41
